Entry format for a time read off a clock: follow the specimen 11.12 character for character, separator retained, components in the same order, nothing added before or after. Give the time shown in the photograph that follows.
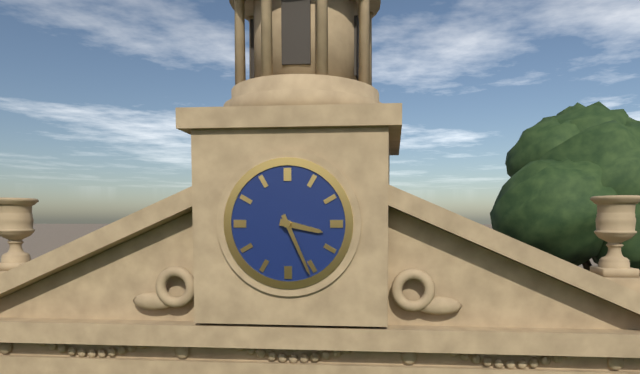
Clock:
3.26
